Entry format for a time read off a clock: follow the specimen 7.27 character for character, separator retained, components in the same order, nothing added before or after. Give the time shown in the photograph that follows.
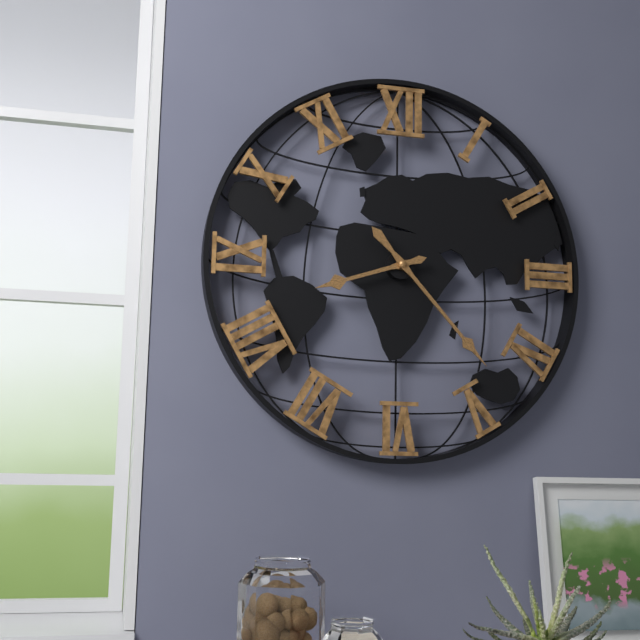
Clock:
8.23
